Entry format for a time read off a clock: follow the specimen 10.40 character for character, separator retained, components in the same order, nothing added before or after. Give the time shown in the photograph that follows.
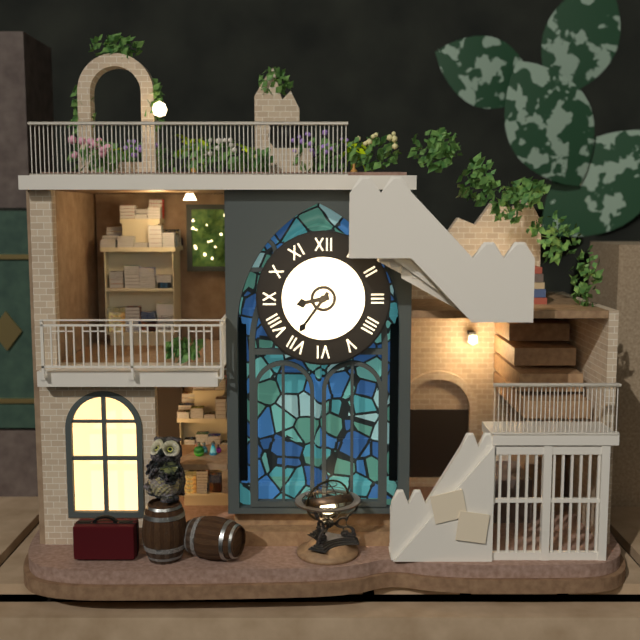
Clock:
8.36
